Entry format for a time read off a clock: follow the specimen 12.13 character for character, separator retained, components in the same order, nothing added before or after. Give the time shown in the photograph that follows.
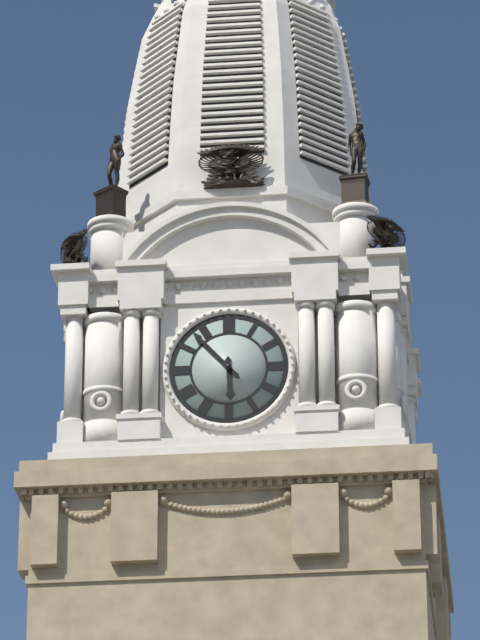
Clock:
5.53
